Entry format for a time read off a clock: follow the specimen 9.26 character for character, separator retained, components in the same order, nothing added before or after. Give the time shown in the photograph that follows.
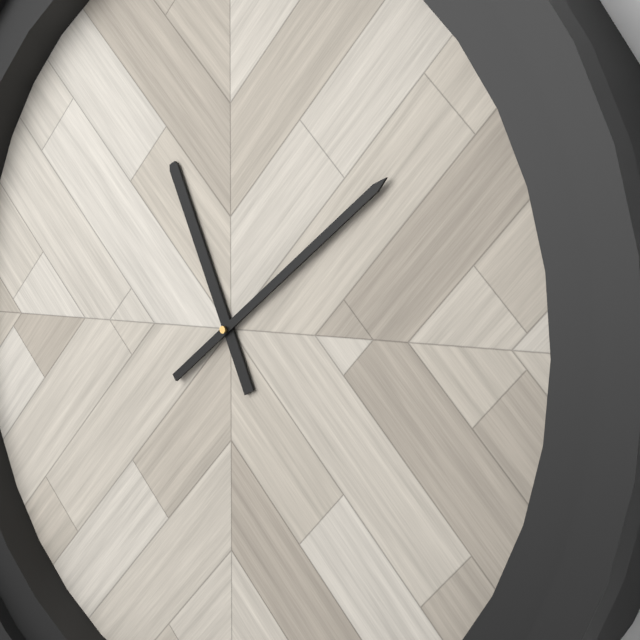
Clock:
11.09
